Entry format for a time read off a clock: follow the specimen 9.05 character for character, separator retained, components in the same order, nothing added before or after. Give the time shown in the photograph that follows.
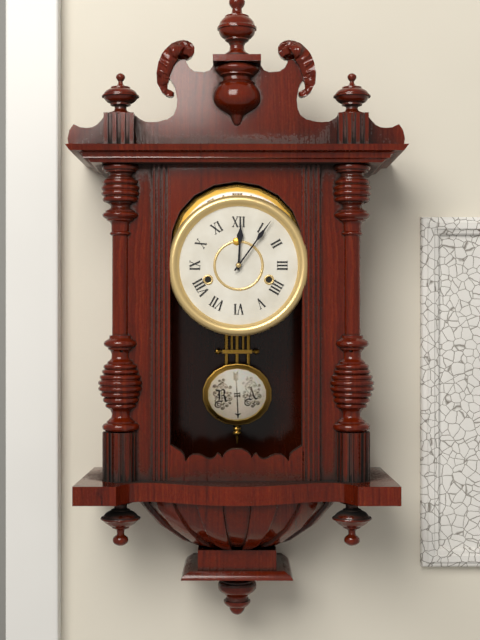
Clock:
12.06
